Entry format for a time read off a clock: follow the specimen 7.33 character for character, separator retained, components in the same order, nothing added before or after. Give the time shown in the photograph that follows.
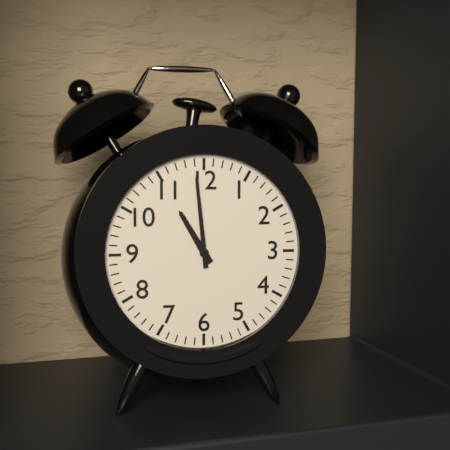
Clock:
10.59
